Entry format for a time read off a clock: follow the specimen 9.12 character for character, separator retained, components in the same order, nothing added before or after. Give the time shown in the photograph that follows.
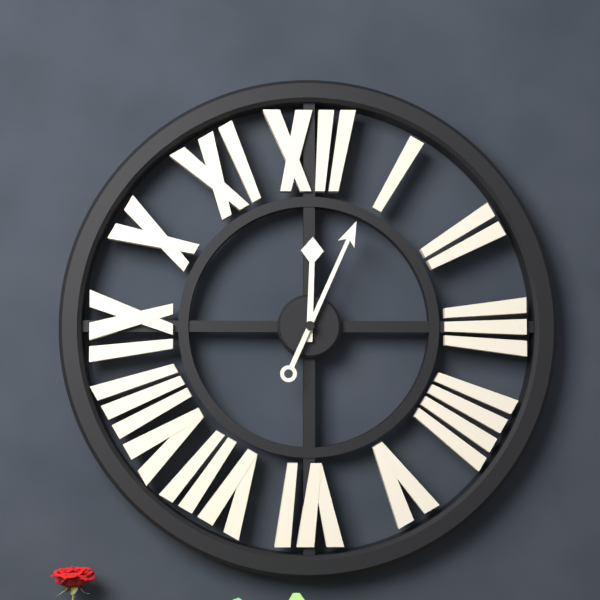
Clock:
12.04
